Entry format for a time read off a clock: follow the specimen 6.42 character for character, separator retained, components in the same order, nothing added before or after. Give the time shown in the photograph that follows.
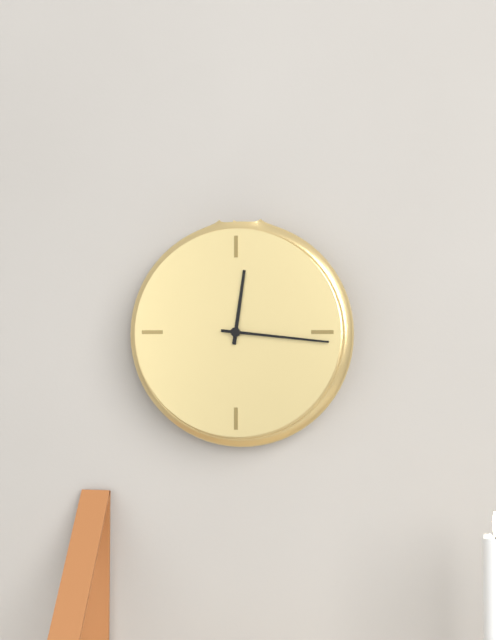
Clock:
12.16
